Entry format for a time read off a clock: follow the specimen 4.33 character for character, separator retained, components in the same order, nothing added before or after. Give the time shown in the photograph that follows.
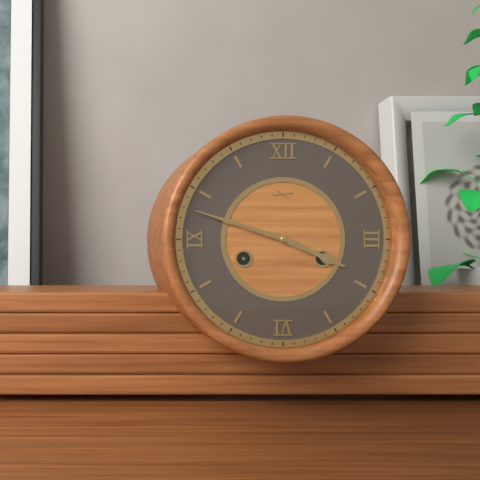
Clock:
3.48
